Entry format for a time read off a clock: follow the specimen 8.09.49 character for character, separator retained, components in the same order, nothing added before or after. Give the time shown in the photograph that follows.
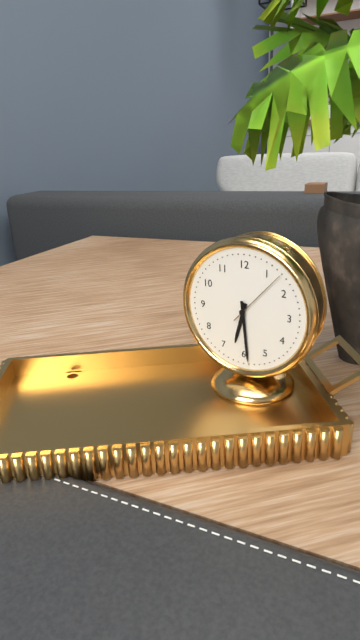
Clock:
6.29.07
